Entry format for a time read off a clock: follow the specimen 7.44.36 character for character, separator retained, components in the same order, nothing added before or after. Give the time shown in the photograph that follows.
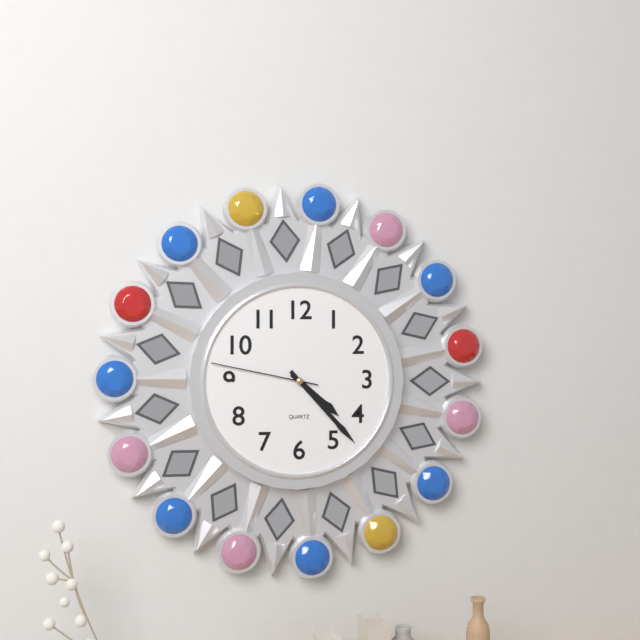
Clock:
4.23.47
